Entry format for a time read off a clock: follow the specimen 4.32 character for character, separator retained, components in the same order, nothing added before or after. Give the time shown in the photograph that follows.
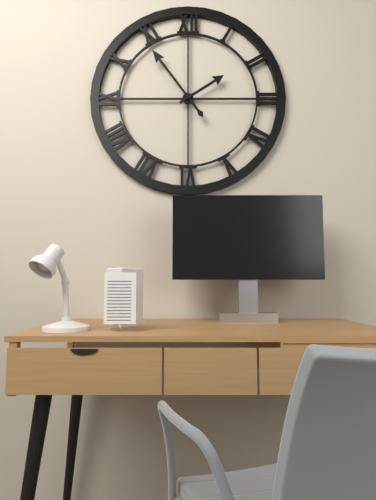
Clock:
1.54
